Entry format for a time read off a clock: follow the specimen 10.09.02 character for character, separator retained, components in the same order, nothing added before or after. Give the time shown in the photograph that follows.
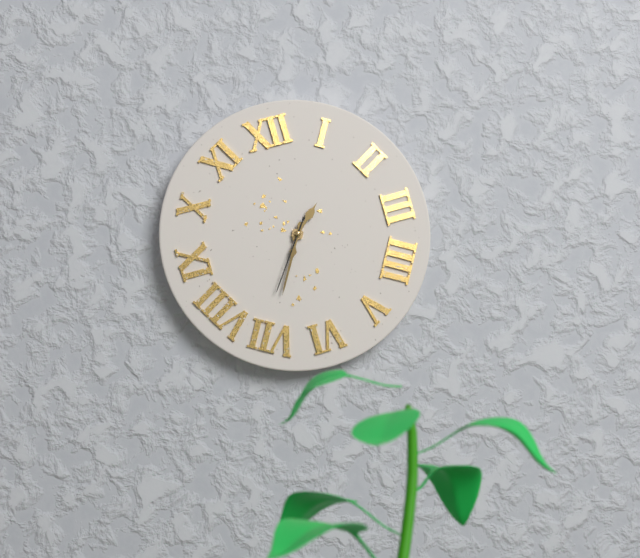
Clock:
1.35.36
